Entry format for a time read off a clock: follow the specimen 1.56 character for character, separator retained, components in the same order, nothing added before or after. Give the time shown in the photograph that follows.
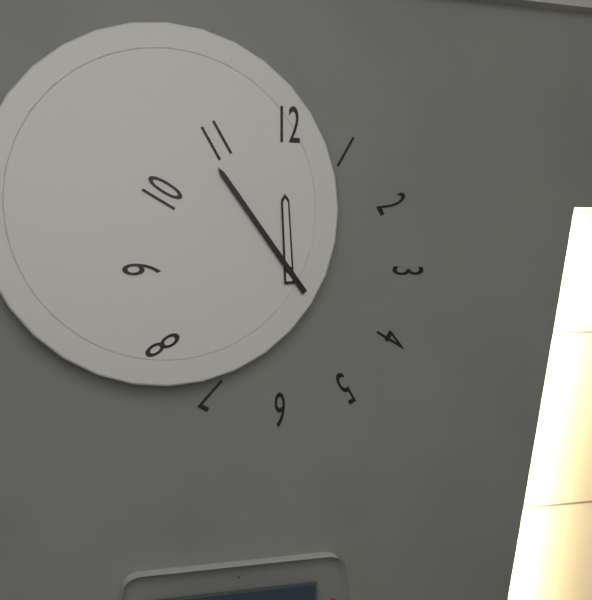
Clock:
11.54
